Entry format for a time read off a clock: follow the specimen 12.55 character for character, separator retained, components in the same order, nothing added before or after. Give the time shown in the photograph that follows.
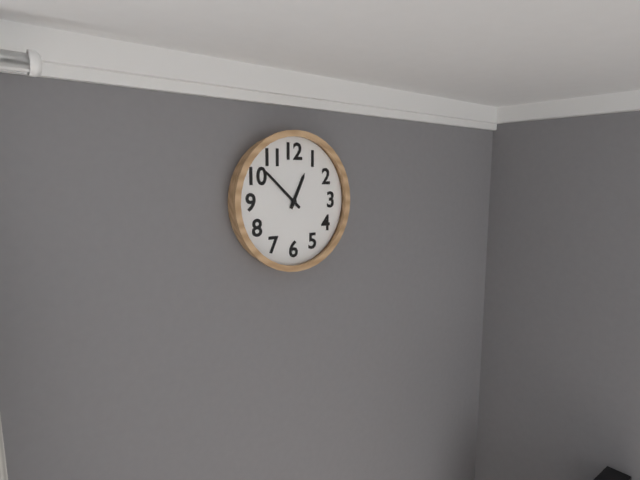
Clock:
12.52
